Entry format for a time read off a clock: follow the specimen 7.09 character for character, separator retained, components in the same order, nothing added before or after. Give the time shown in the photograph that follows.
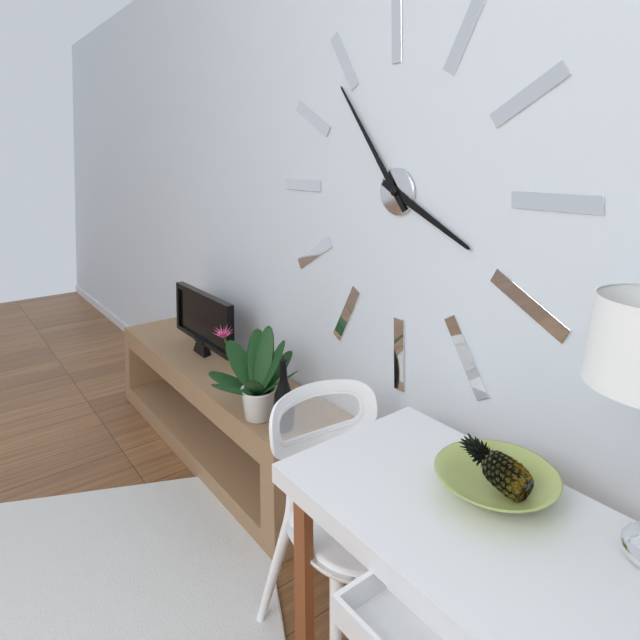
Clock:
3.54
